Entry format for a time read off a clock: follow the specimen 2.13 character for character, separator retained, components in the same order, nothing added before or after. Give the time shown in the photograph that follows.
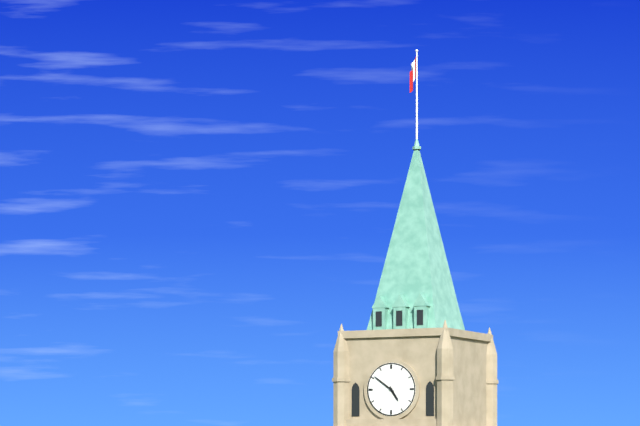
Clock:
4.51
